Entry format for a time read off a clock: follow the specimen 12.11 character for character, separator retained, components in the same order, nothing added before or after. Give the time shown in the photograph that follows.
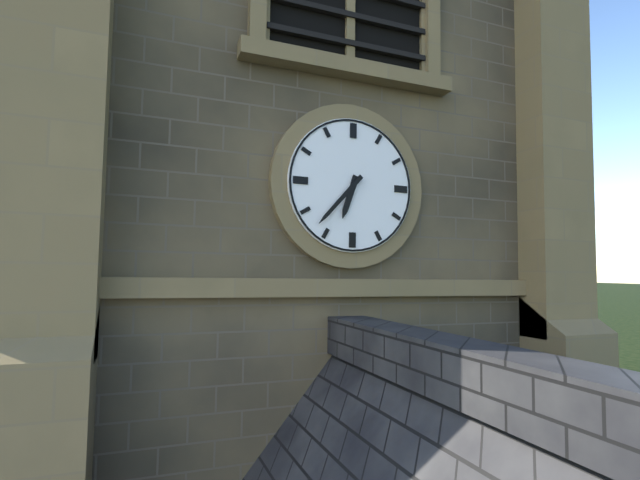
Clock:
6.37
